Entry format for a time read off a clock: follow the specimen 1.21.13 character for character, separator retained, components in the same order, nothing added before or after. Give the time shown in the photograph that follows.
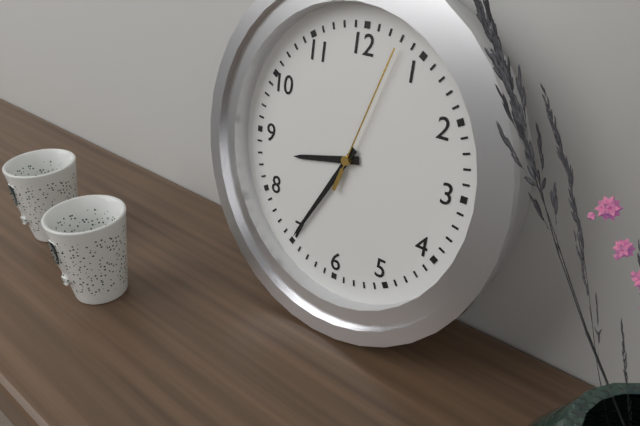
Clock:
8.35.03
